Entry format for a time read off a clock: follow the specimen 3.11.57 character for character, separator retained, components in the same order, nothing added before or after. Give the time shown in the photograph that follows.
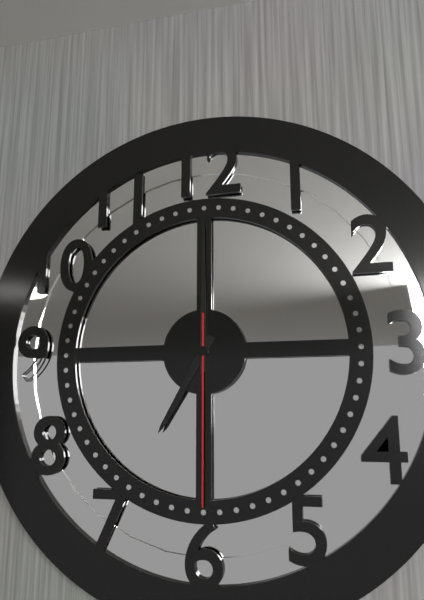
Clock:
7.00.30
